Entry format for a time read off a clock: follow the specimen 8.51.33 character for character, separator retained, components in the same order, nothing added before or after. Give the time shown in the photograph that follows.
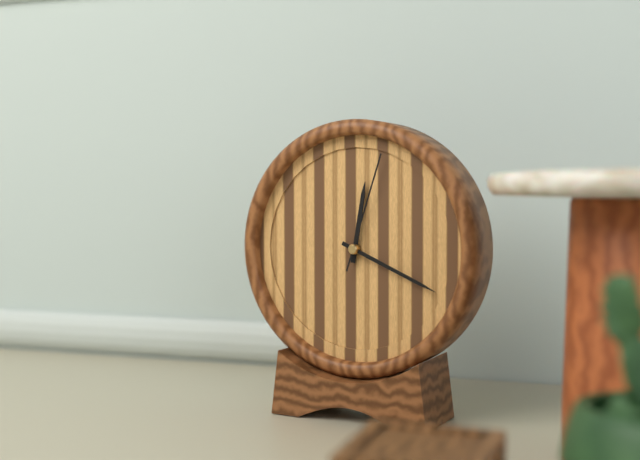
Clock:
12.19.03
